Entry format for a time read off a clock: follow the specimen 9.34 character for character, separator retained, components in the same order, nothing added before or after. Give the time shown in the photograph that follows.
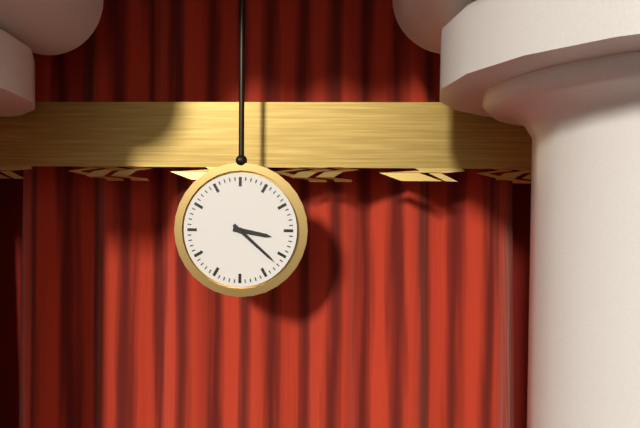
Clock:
3.22
